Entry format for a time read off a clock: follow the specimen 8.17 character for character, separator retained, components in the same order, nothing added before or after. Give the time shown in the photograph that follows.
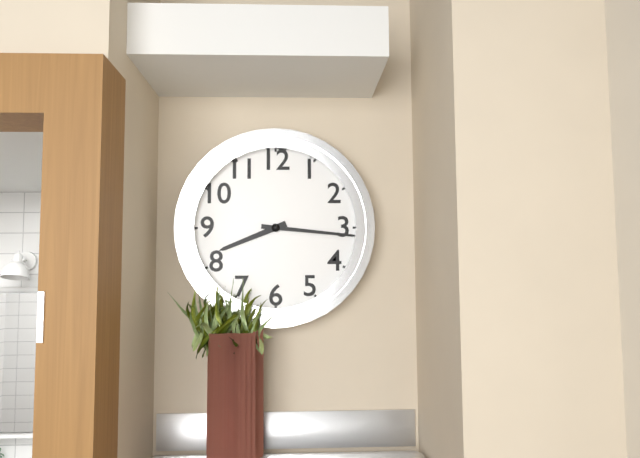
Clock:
8.16
